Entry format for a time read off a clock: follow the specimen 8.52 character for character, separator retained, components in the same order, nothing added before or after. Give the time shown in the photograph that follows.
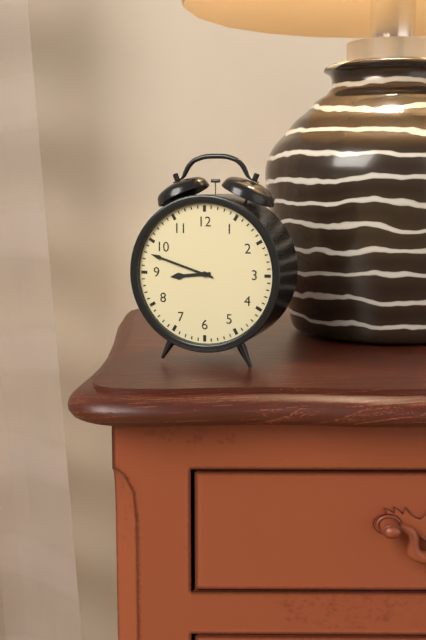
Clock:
8.48
